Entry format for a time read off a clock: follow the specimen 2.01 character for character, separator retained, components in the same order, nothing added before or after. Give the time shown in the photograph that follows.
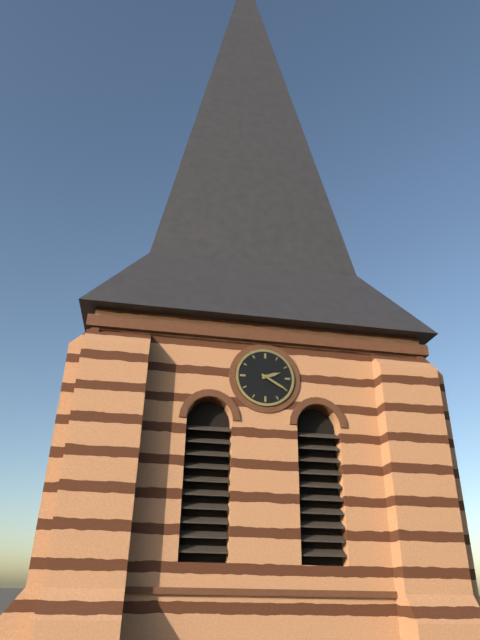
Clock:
2.20
